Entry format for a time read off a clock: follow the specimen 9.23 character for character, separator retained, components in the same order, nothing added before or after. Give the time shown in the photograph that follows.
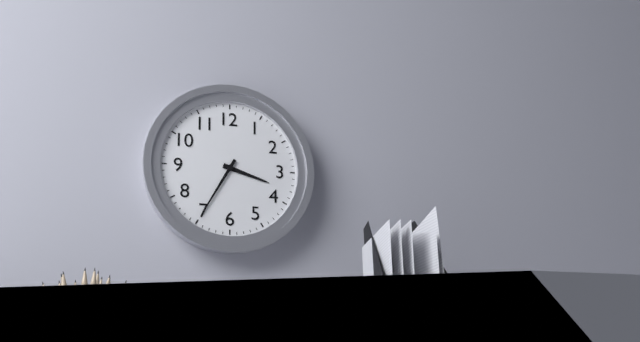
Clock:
3.35
